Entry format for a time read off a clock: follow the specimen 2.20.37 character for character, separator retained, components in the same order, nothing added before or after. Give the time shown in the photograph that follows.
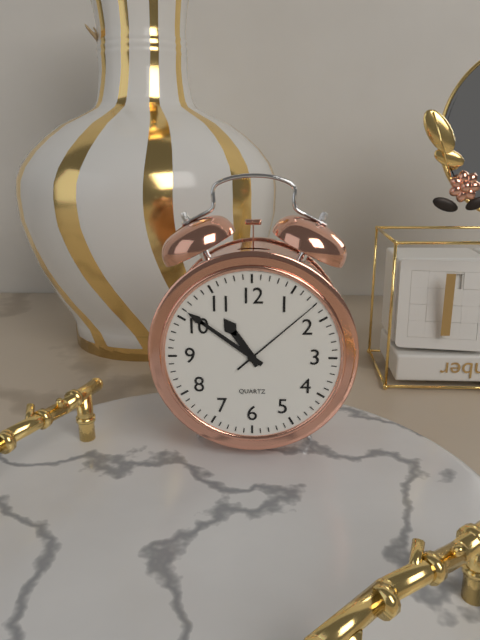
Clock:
10.51.08
